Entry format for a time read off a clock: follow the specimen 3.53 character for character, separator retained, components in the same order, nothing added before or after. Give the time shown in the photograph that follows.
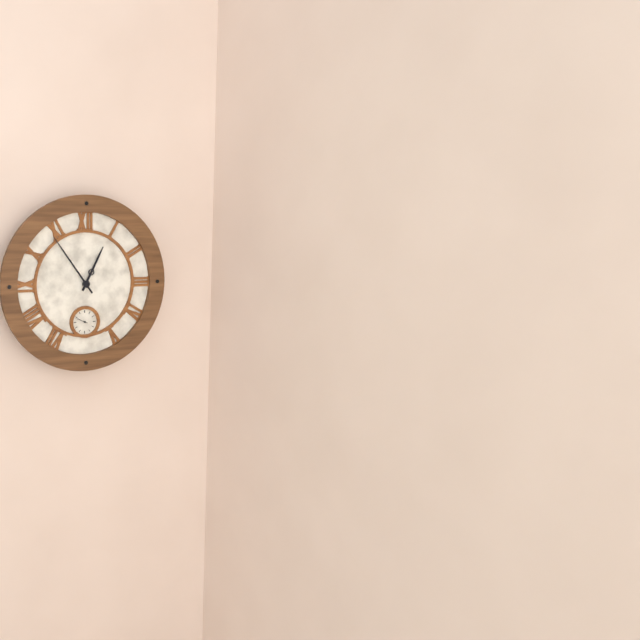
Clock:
12.54
